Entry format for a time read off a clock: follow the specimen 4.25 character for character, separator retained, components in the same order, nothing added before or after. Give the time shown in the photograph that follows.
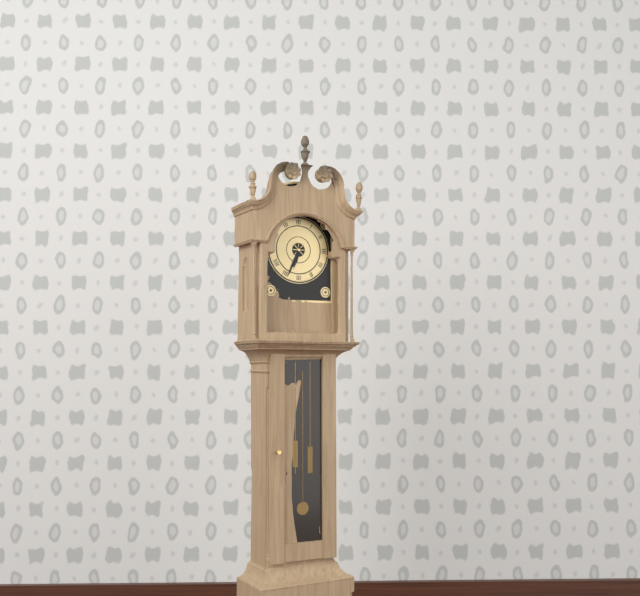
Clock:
6.34
